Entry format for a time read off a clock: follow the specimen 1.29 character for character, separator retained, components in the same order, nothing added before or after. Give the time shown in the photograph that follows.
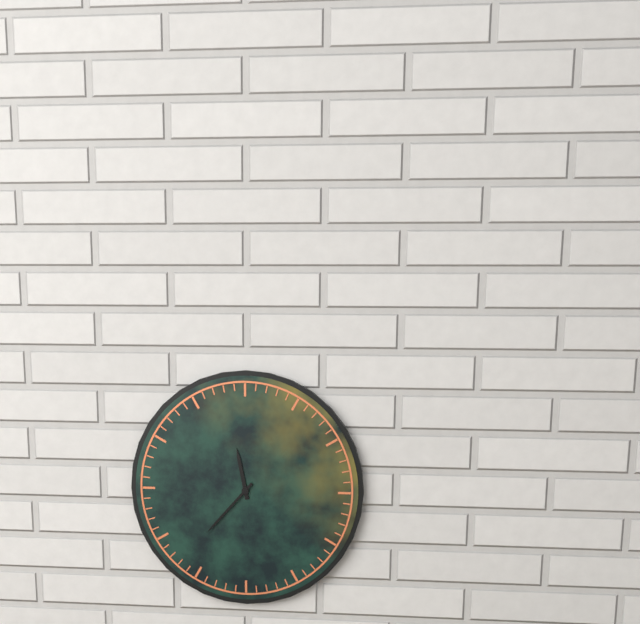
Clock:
11.37
